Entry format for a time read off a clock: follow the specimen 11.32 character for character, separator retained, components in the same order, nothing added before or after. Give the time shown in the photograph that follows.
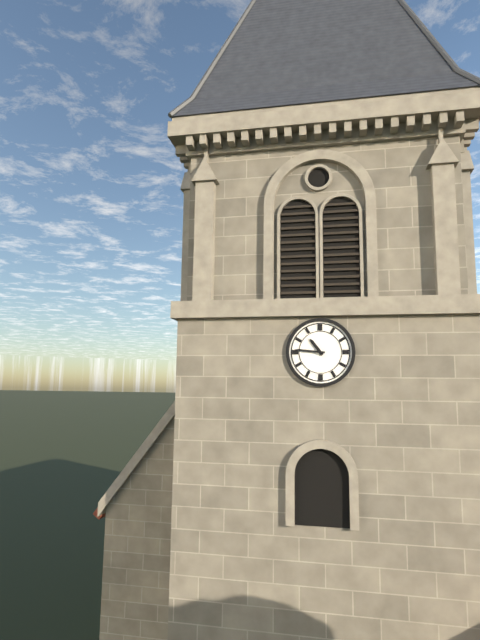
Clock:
10.46
